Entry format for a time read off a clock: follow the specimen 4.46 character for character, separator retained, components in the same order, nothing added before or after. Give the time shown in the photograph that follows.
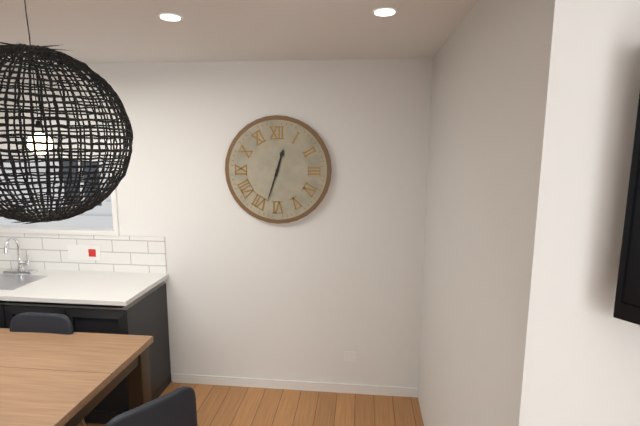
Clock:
12.33
